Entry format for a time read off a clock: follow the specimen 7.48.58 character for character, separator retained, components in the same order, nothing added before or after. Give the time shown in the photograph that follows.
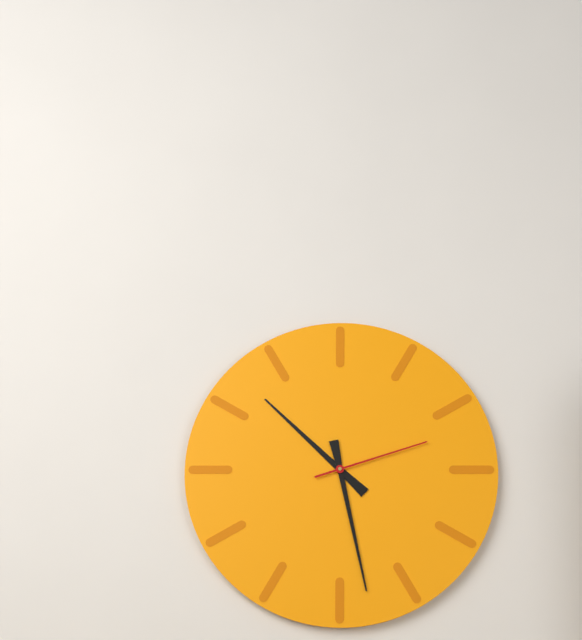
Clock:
10.28.12
